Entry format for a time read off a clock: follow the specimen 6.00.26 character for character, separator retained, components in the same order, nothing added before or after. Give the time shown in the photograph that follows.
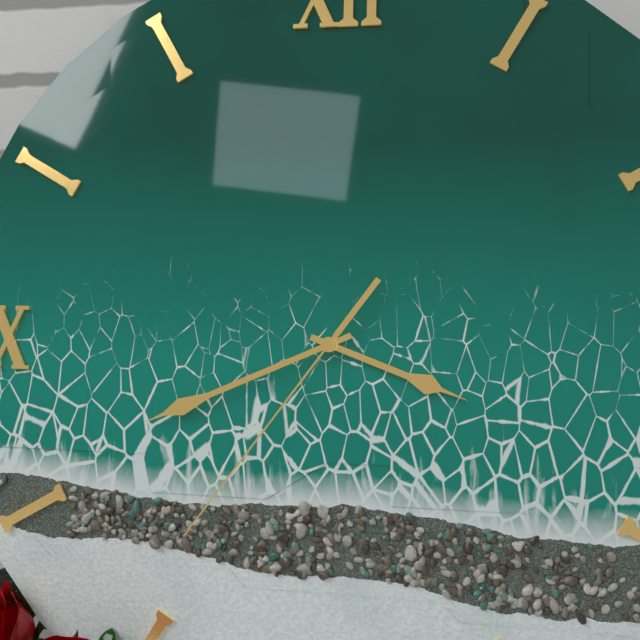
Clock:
3.41.36
